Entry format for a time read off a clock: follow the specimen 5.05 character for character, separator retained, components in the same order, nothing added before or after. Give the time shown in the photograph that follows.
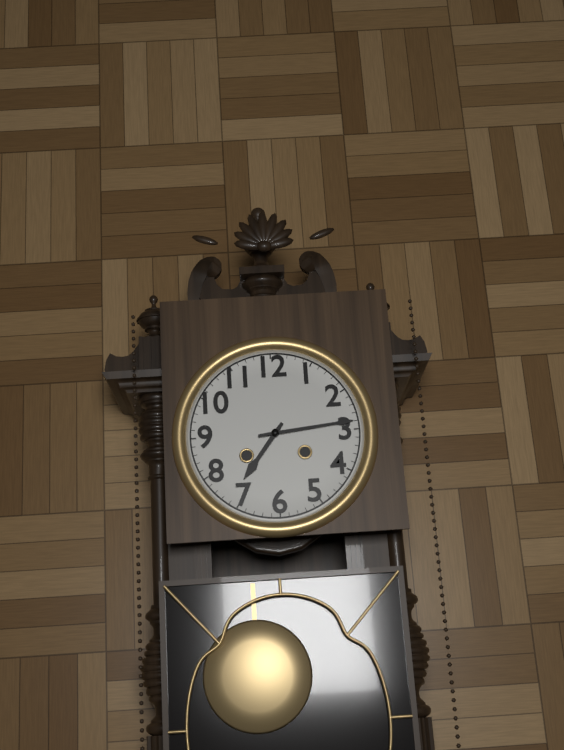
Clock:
7.14
